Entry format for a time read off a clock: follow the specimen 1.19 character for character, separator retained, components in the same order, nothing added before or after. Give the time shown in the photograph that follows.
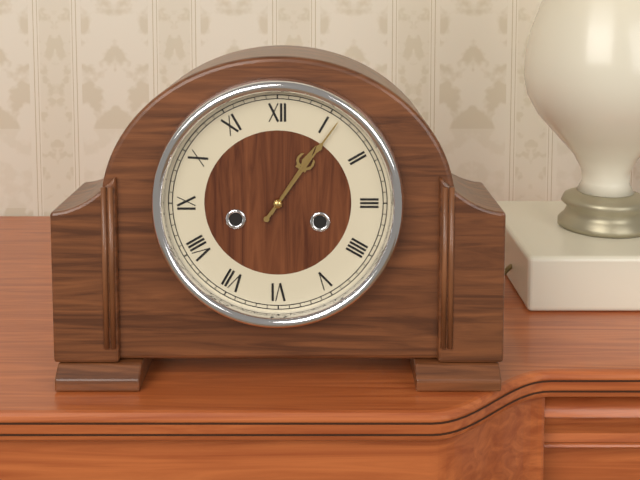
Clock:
1.06
